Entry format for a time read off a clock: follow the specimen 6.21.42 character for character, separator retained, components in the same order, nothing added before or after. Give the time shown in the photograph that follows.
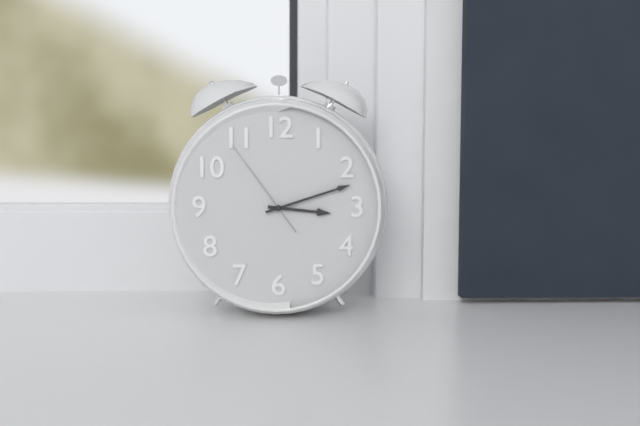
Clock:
3.12.54
